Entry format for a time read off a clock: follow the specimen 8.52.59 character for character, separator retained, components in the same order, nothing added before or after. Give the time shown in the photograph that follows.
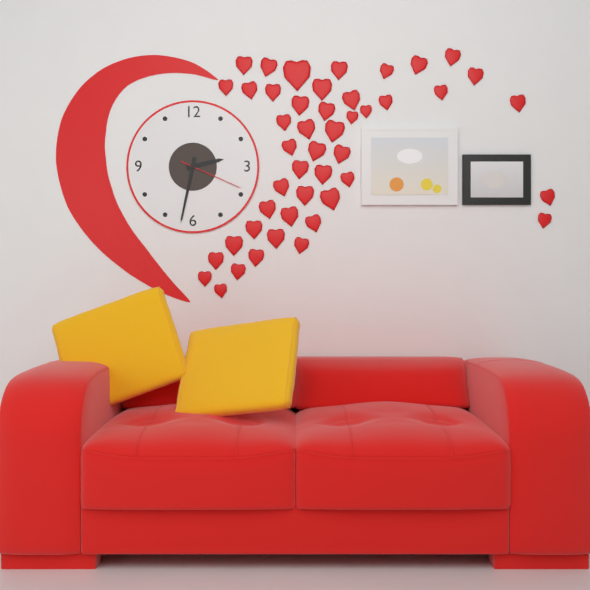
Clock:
2.32.19
